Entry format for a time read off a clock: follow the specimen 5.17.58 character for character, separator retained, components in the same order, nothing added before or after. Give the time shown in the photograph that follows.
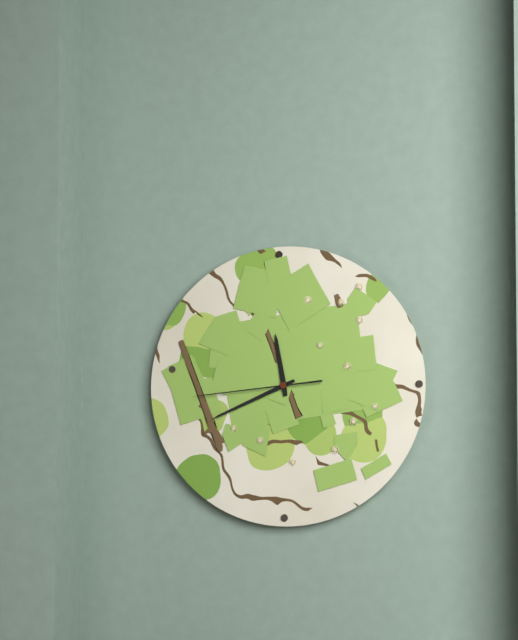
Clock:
11.41.44
